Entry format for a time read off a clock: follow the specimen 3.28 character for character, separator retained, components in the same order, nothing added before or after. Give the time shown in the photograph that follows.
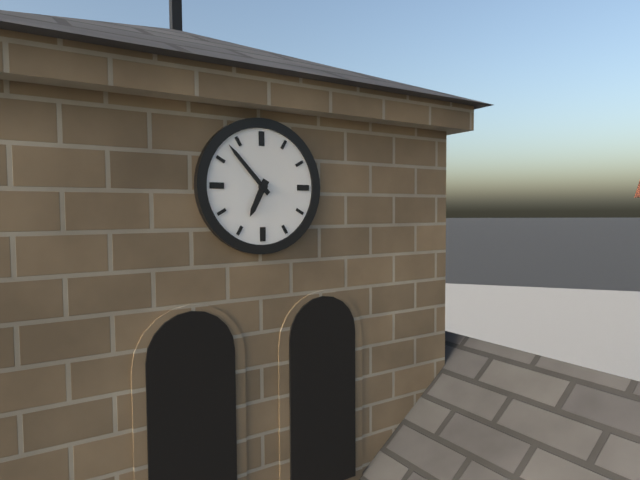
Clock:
6.53
